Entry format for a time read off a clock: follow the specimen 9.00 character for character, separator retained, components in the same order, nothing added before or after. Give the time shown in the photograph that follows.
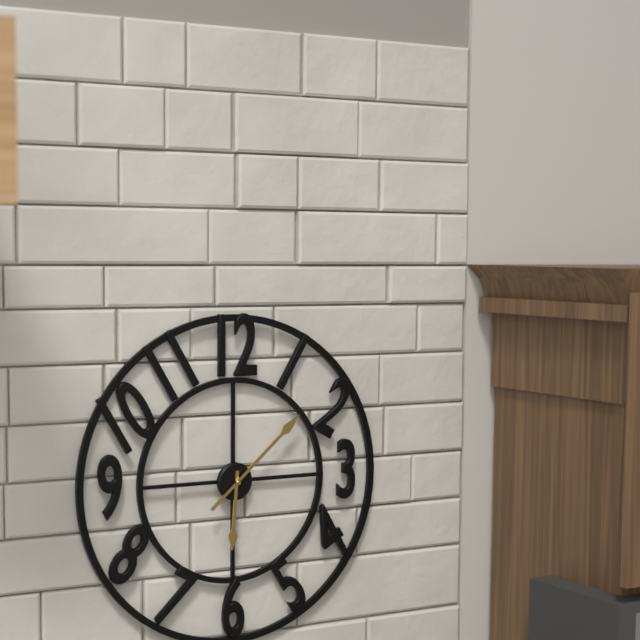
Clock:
6.08
